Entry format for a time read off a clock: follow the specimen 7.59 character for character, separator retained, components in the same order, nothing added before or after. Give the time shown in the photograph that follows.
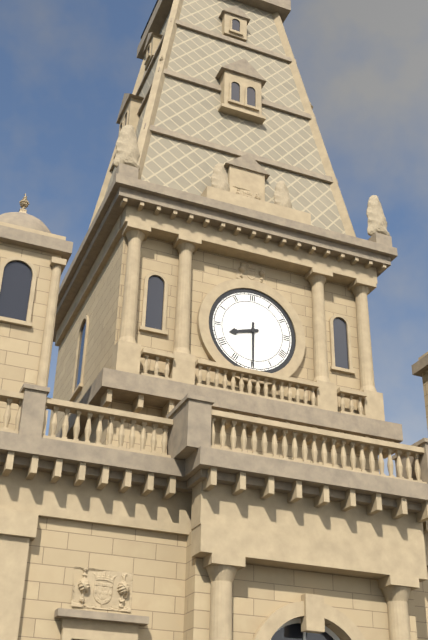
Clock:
8.30
